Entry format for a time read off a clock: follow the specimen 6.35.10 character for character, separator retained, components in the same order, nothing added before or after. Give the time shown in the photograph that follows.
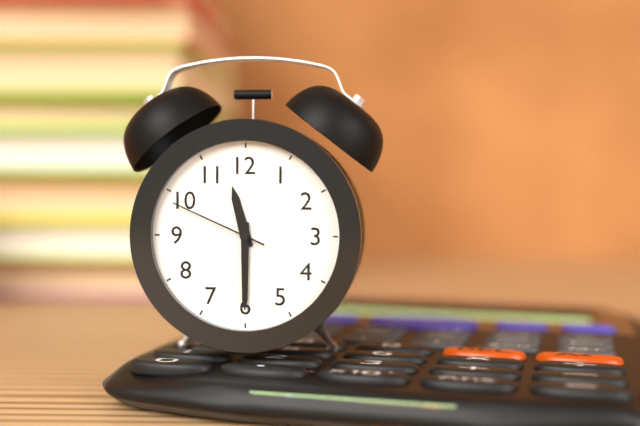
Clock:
11.30.49
